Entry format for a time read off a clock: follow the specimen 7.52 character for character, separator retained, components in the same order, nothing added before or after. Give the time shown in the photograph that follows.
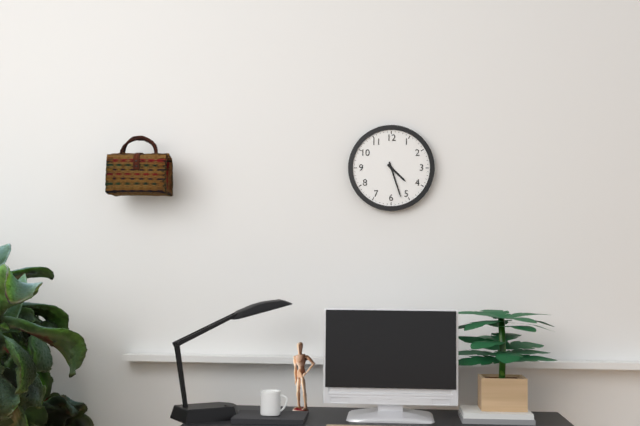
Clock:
4.27
